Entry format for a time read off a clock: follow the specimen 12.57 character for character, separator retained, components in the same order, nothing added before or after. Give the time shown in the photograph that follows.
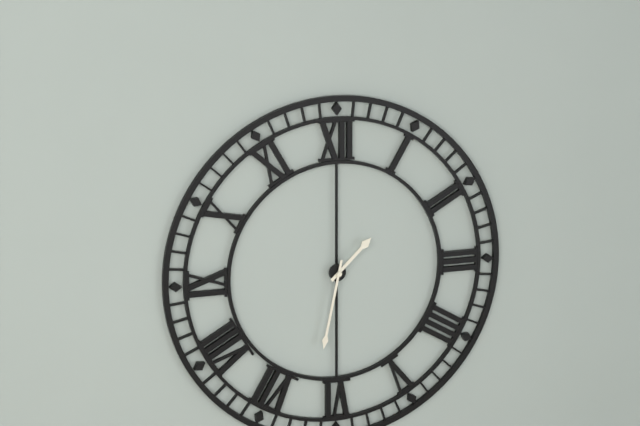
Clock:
1.32
